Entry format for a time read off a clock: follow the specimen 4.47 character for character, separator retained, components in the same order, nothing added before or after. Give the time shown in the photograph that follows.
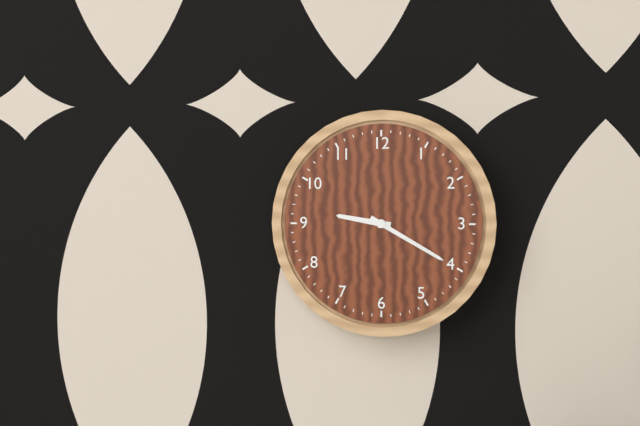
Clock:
9.20
